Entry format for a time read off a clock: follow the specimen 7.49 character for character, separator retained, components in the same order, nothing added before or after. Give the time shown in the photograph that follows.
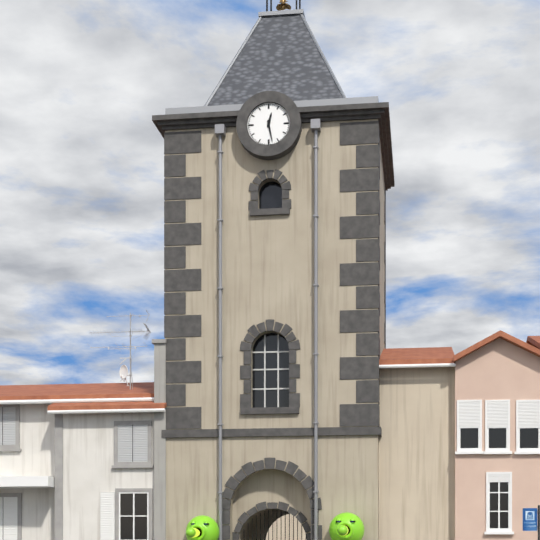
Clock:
12.28
